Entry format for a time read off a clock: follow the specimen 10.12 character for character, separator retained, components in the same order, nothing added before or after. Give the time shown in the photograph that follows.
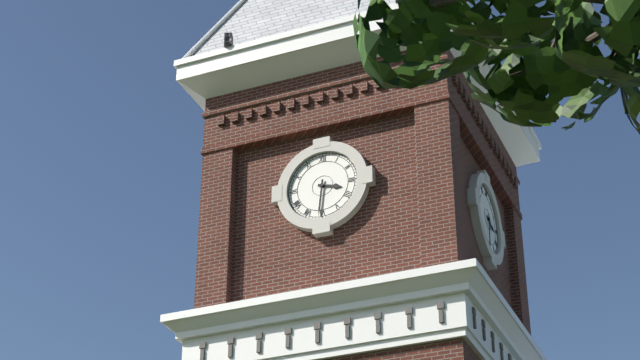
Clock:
3.31
